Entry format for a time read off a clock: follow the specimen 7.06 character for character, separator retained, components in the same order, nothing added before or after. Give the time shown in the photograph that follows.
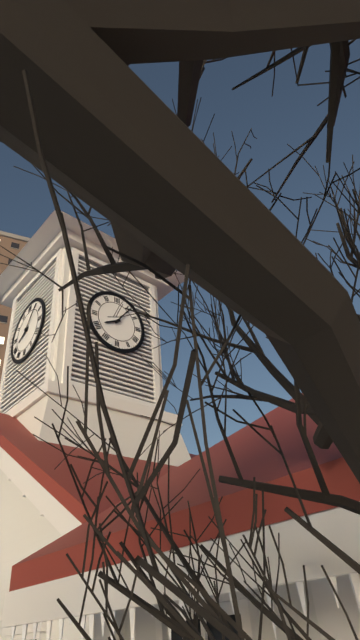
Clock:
8.06
